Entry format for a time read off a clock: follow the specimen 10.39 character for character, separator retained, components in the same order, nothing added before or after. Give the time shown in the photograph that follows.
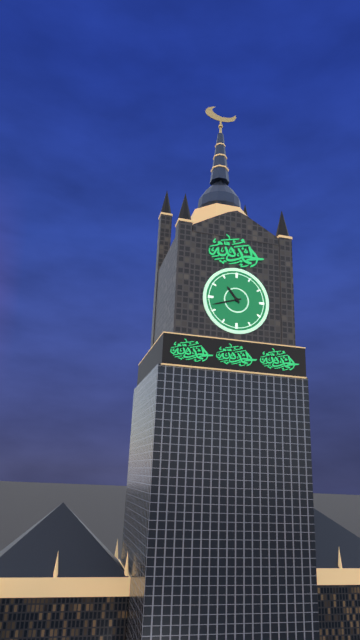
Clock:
10.42
